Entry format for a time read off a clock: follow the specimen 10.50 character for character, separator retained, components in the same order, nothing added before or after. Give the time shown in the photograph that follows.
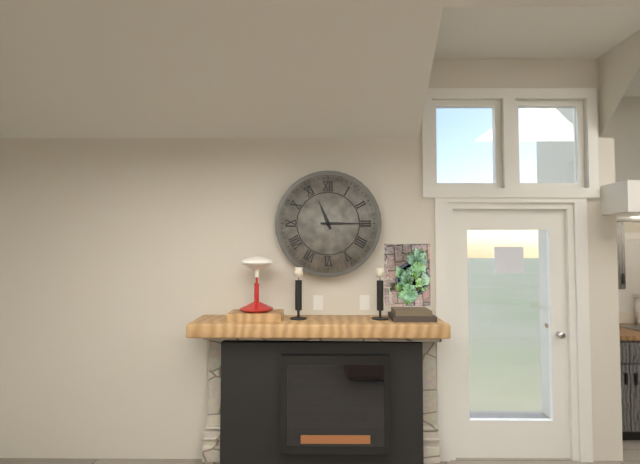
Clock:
11.15
